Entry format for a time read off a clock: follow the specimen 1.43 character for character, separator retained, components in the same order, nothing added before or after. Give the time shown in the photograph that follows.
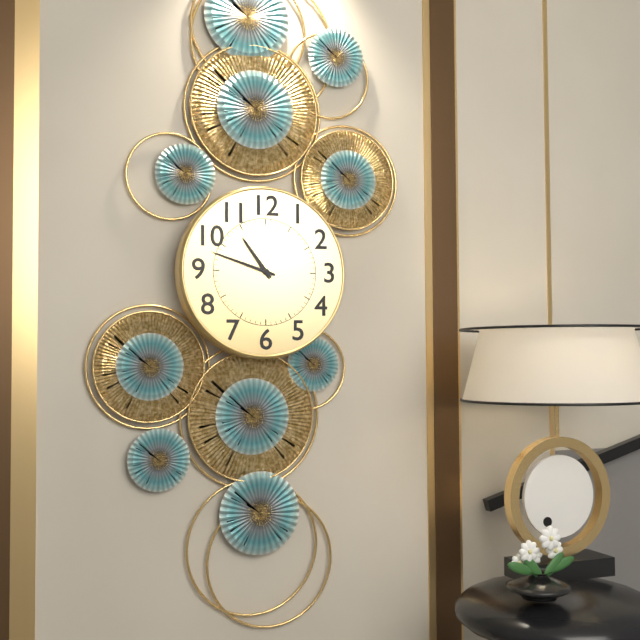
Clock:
10.48
